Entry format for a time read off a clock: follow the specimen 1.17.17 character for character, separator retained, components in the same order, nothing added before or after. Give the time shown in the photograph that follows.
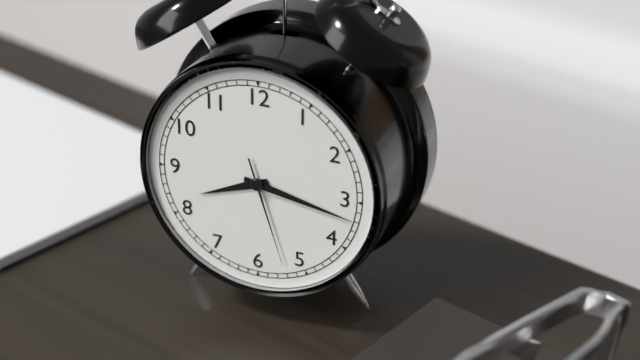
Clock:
8.17.27
